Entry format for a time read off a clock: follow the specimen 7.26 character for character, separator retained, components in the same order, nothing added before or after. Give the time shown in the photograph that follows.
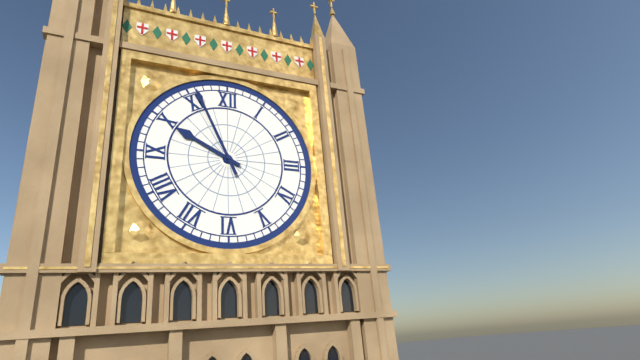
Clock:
9.56
